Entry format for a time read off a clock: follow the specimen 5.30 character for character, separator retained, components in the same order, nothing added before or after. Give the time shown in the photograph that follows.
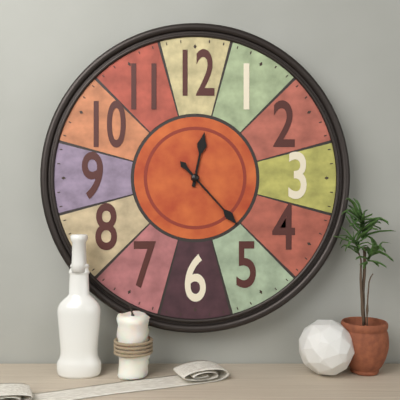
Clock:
12.23
